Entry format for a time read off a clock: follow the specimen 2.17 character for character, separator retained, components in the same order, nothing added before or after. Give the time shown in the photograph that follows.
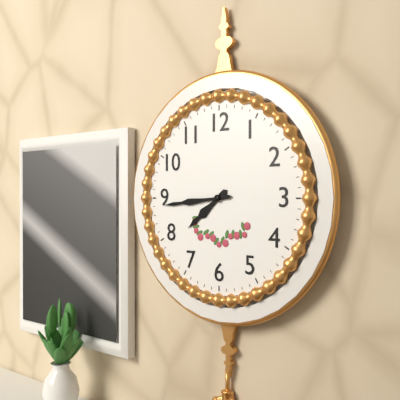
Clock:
7.44
